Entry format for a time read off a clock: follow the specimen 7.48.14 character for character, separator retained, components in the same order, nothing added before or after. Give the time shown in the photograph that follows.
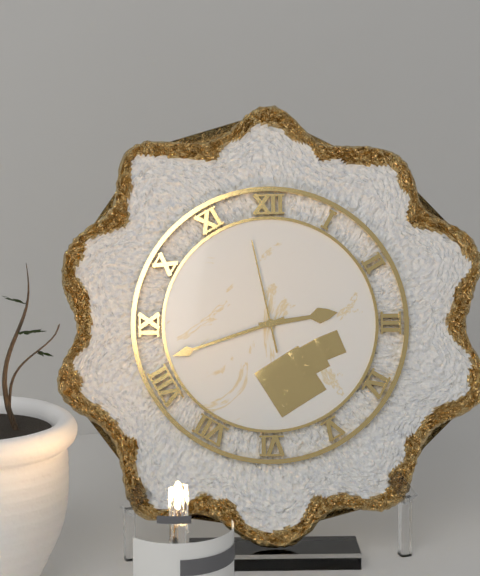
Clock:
2.42.58
